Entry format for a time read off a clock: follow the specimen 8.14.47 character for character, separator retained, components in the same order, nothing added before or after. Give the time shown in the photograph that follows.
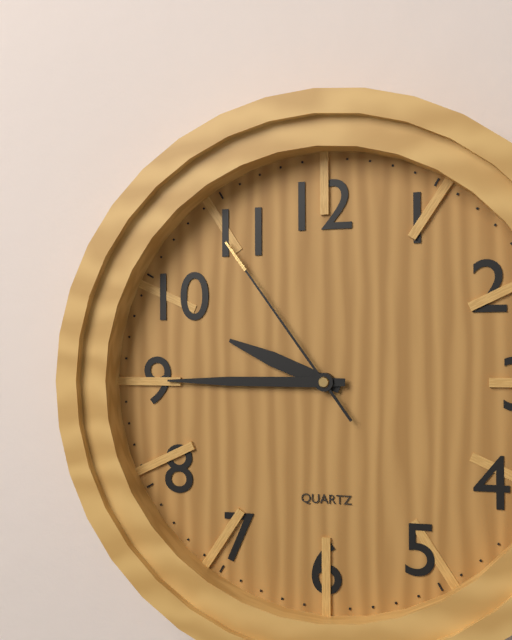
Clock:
9.45.54
